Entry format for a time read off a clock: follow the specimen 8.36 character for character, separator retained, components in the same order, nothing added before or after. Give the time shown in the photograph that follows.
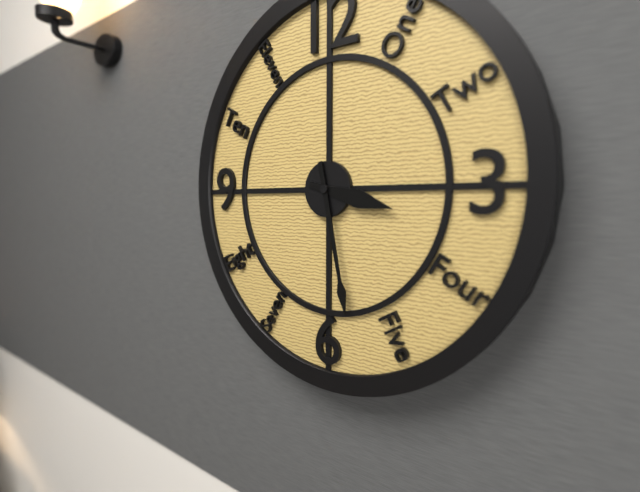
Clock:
3.28
